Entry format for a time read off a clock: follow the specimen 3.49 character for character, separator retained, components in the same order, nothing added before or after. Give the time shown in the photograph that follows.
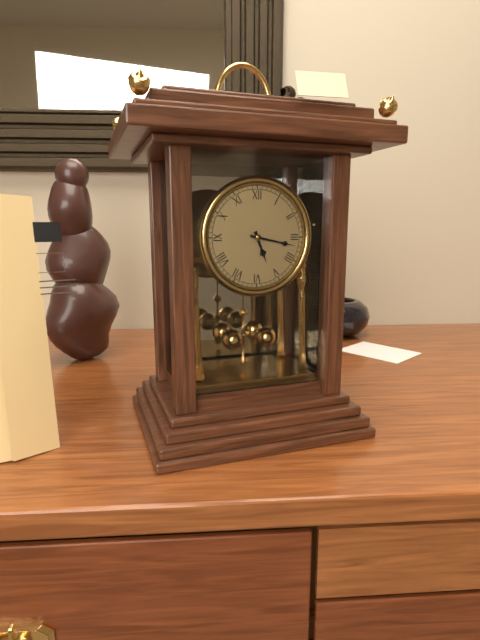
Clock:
5.17
